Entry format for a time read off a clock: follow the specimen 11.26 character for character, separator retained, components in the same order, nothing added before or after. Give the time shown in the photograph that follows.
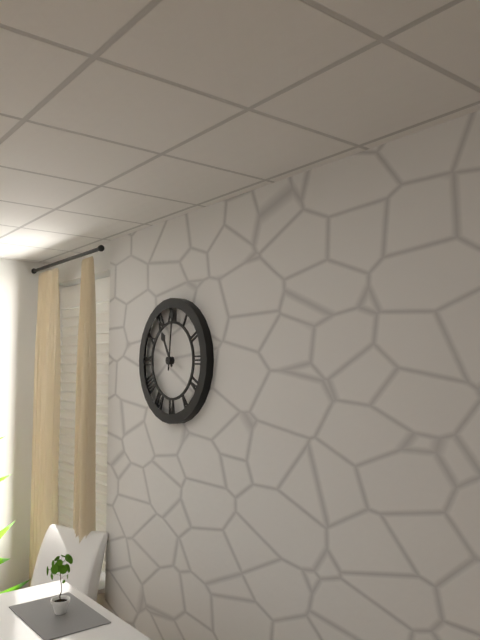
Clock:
11.01
